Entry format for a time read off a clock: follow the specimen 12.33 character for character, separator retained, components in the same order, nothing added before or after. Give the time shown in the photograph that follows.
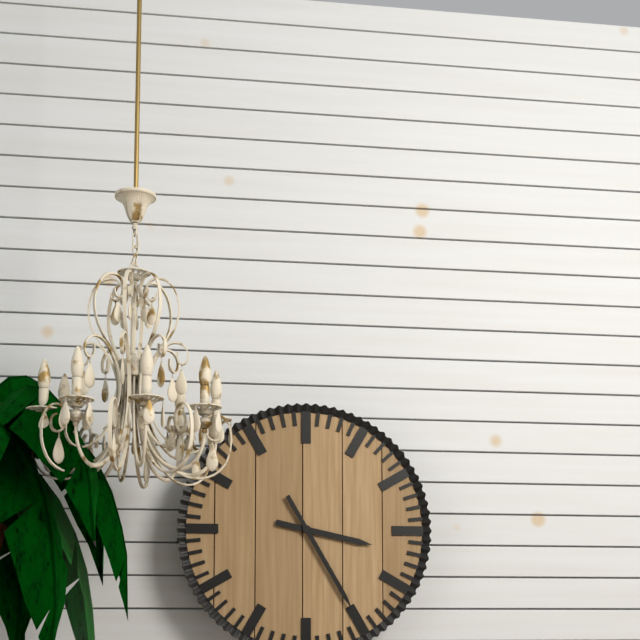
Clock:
3.25
